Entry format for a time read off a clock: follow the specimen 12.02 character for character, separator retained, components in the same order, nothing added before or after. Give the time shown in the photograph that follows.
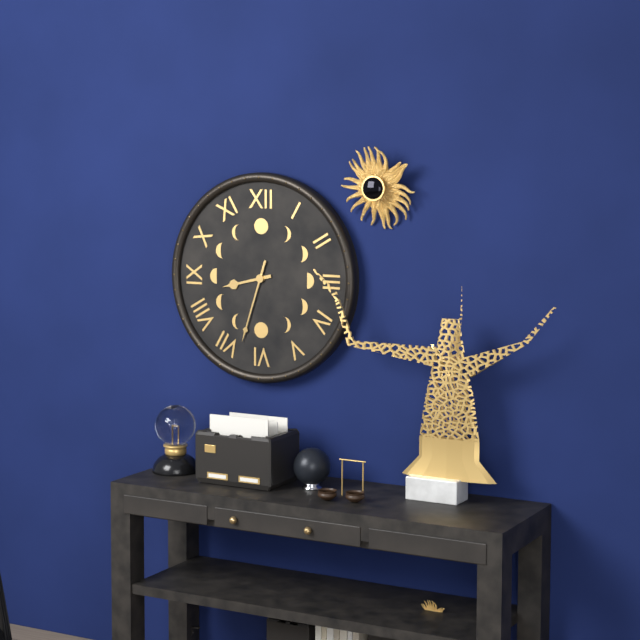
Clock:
8.33
